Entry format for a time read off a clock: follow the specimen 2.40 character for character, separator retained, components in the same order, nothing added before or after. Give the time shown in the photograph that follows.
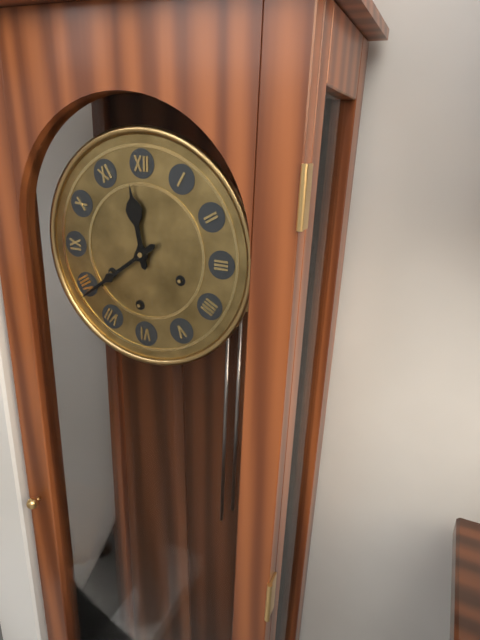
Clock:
11.39
